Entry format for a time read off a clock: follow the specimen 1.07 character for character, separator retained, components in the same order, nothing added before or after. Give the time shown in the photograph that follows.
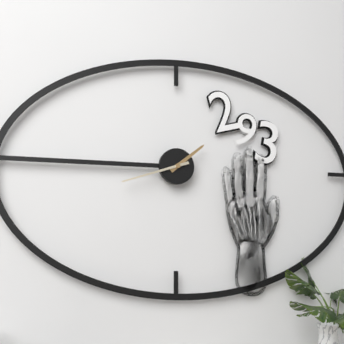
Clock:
1.42
